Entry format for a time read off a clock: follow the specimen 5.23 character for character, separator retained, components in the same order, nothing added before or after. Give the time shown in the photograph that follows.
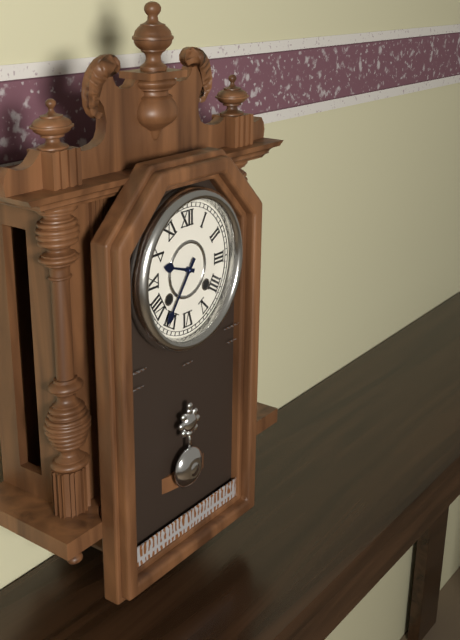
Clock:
9.36
